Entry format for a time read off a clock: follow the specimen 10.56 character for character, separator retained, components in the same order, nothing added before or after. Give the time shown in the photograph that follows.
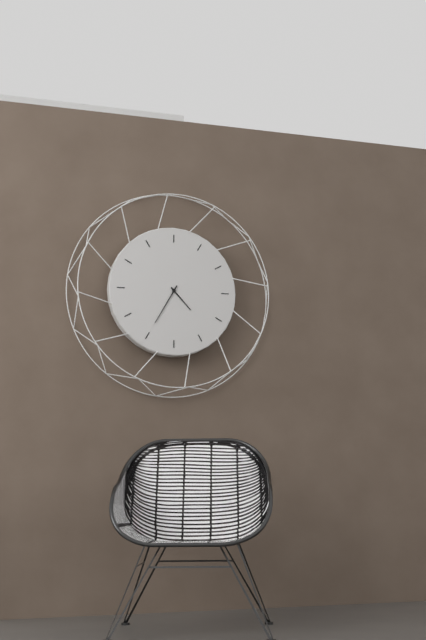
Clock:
4.35
